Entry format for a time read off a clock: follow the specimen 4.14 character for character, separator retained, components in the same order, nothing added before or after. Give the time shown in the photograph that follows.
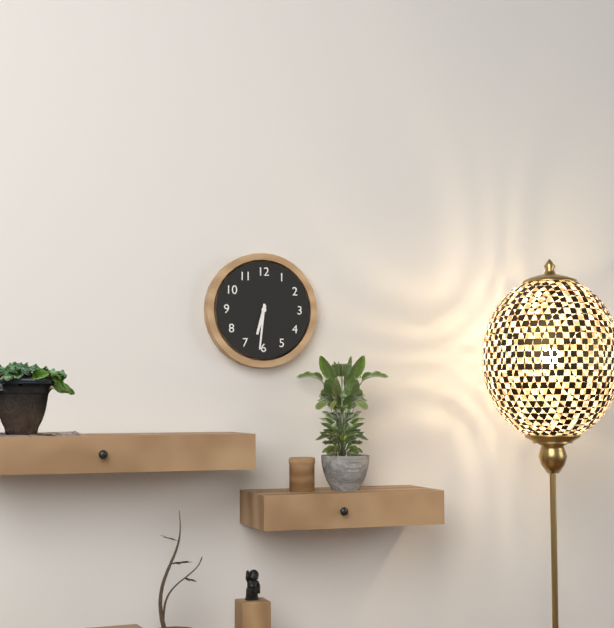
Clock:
6.31
